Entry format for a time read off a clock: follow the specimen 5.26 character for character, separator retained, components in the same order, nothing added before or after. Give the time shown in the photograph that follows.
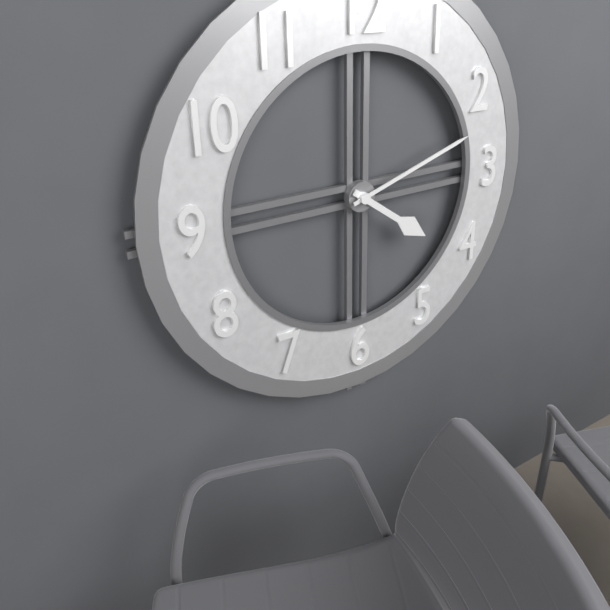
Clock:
4.12
